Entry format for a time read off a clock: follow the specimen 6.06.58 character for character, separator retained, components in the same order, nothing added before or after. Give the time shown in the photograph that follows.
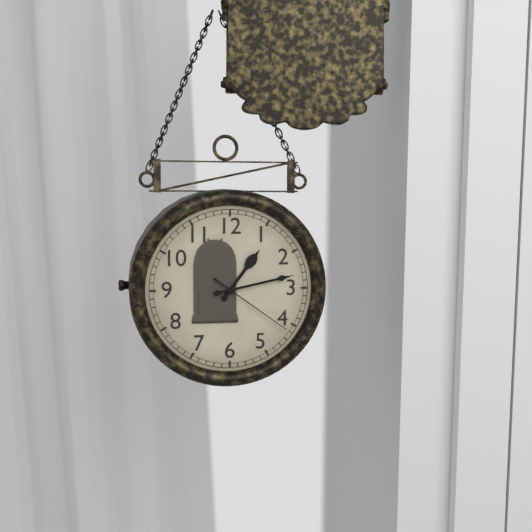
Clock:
1.13.21
